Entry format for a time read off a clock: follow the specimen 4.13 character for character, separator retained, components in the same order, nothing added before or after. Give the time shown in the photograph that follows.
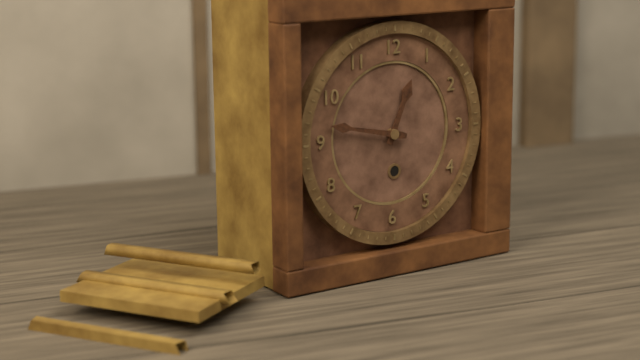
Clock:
12.47
